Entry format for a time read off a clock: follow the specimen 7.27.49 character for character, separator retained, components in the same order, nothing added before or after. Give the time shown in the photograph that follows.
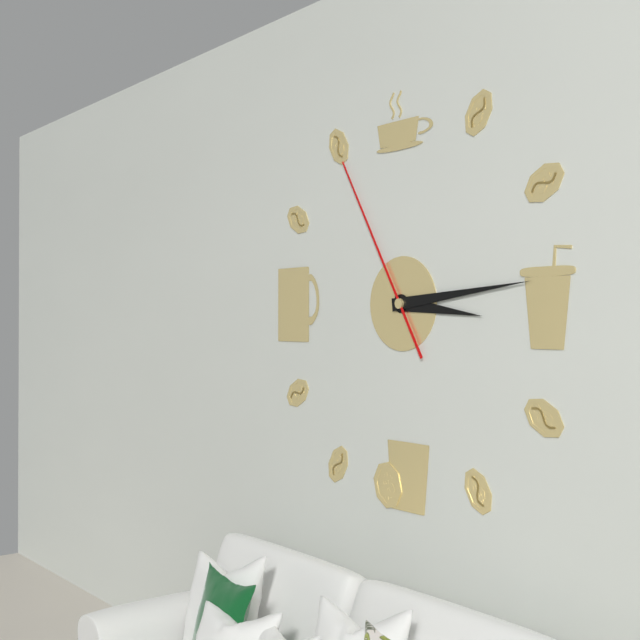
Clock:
3.14.55
